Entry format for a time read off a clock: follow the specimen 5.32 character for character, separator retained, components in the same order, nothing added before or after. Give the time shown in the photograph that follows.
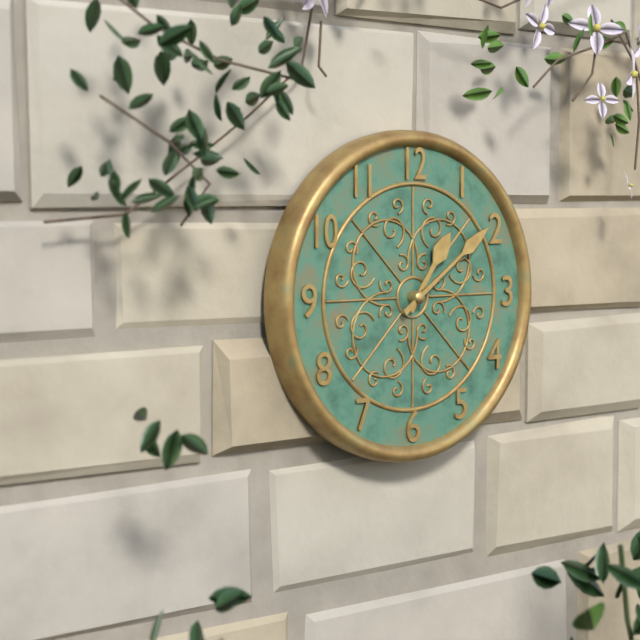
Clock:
1.09
